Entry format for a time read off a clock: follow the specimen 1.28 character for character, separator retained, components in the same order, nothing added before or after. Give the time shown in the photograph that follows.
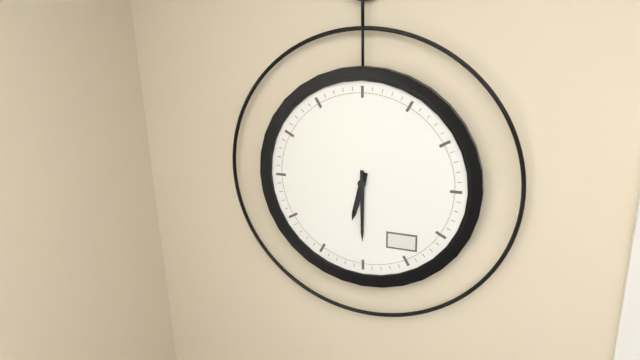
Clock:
6.30
